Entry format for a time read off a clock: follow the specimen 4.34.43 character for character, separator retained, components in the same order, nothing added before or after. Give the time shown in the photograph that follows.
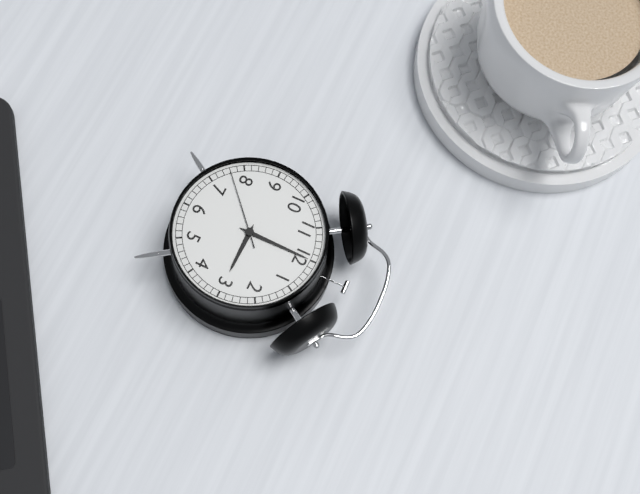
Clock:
3.00.38
